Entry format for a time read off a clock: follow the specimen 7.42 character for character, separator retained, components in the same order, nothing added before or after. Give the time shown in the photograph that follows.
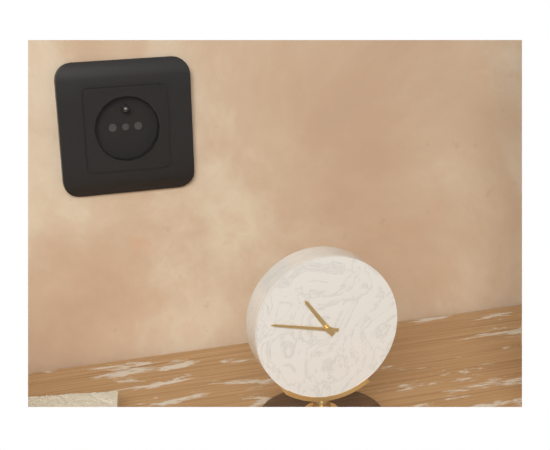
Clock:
10.47
